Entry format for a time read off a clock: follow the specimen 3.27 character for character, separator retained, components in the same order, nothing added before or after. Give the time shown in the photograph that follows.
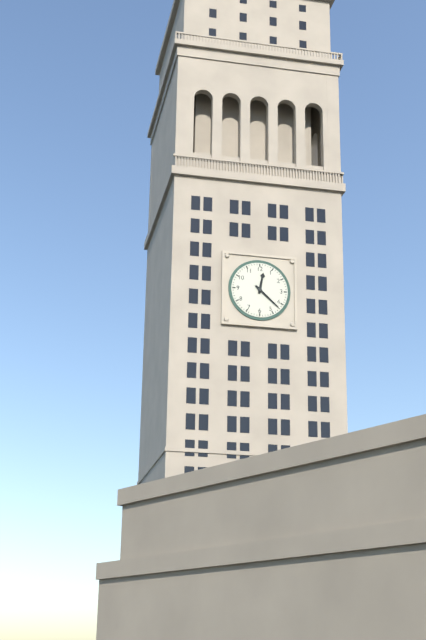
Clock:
12.22
